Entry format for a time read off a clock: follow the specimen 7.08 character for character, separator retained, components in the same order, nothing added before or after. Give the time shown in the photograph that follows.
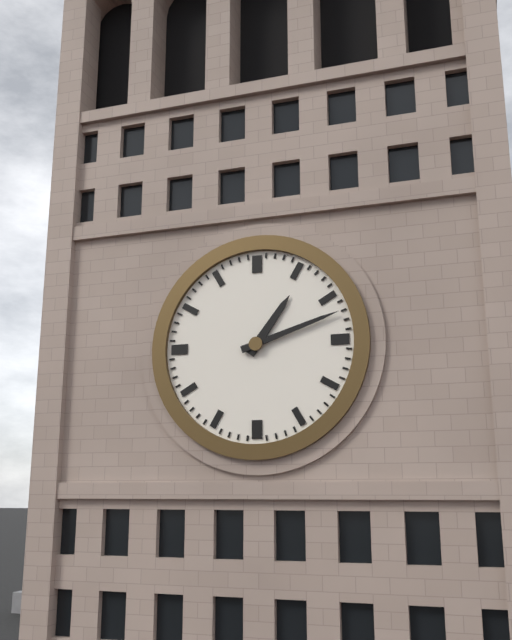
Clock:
1.12
